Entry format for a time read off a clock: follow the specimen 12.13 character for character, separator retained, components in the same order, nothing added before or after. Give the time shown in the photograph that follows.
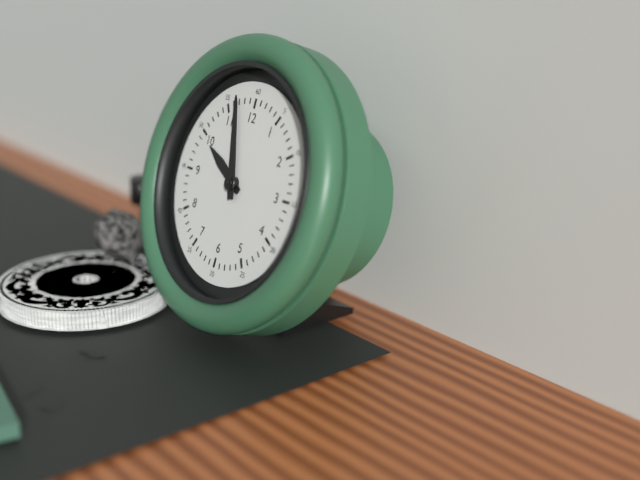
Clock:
9.57
